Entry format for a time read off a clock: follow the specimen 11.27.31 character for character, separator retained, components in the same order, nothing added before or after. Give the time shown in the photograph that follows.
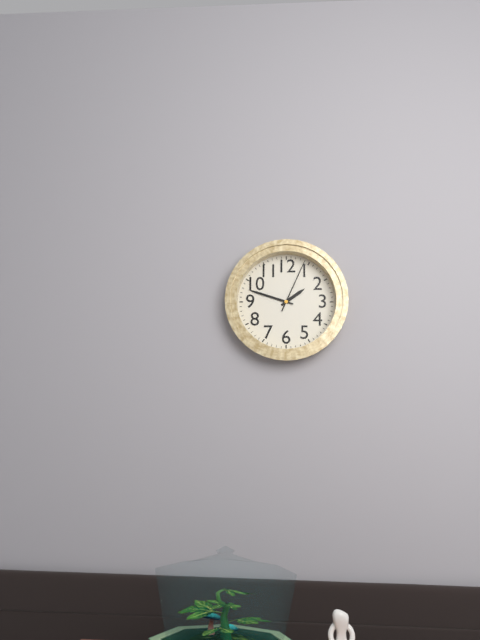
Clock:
1.48.04
